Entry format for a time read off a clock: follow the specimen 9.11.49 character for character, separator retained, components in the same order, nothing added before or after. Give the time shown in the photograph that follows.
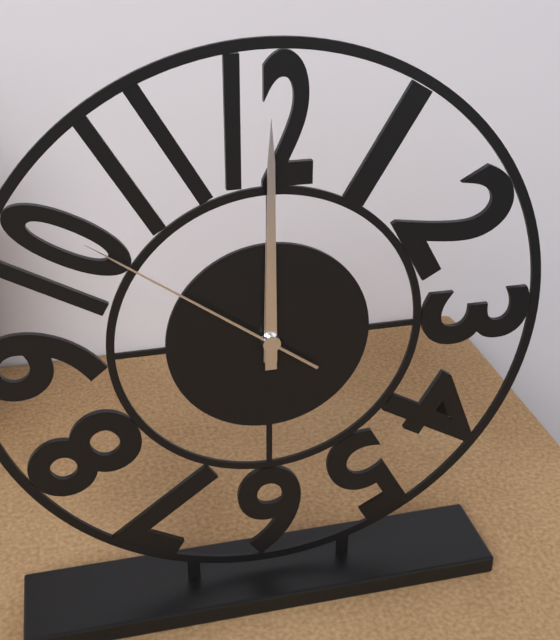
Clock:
12.00.51
